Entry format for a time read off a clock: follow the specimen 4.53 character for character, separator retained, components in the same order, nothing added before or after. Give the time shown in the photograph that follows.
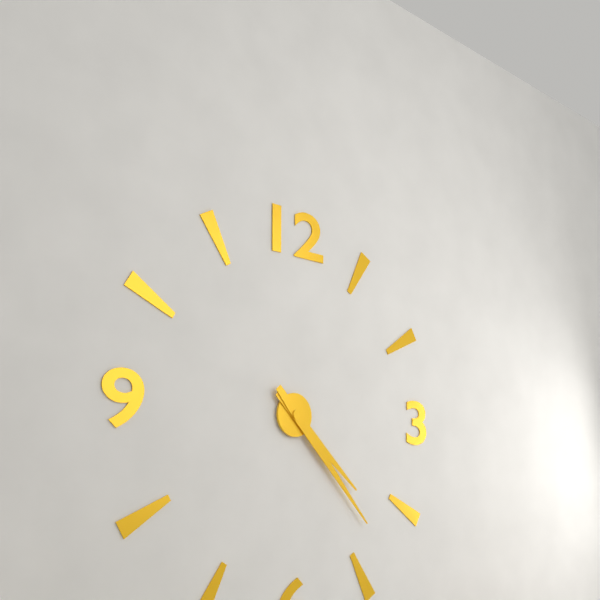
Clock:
4.23
